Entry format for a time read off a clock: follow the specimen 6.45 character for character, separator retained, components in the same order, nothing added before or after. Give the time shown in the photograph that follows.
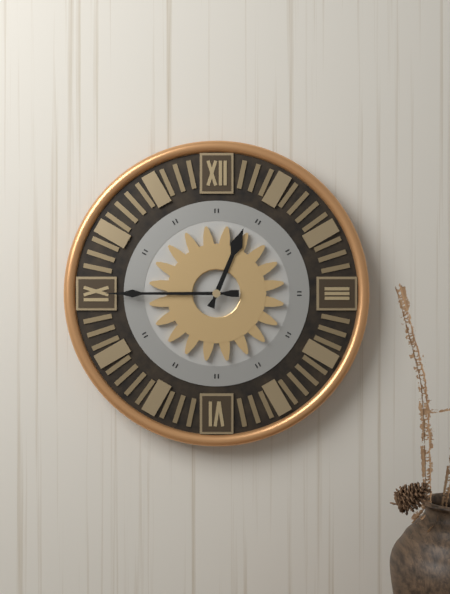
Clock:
12.45
